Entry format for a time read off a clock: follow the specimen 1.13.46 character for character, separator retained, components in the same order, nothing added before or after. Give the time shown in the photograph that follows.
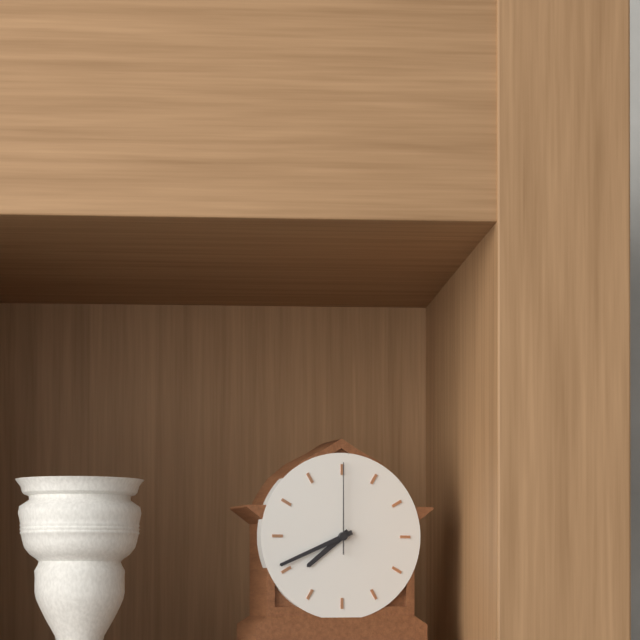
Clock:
7.41.00
